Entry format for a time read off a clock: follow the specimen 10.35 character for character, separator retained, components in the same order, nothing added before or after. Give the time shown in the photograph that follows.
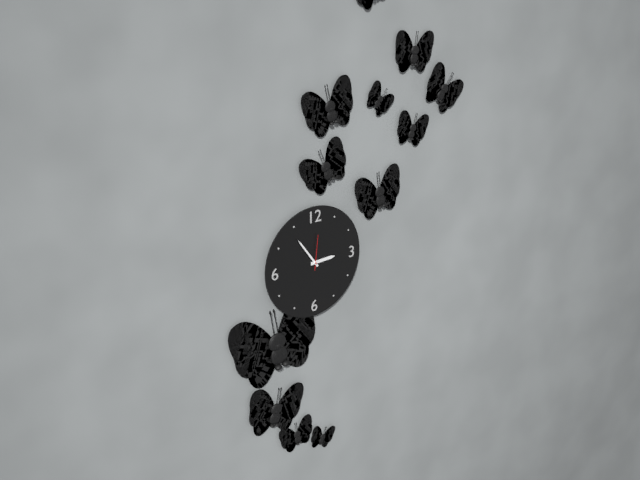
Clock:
2.54
